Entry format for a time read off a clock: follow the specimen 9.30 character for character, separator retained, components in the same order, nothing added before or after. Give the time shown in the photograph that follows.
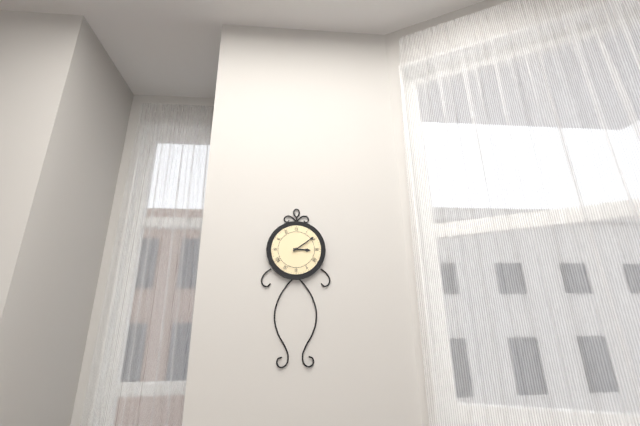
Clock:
3.09
